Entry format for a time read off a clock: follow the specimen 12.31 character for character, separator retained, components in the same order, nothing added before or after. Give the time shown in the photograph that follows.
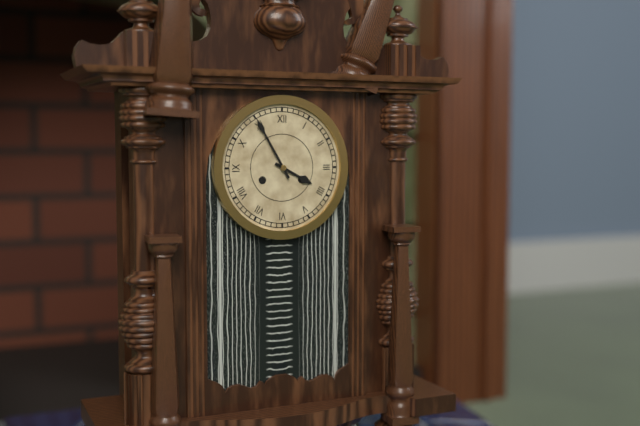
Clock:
3.55
